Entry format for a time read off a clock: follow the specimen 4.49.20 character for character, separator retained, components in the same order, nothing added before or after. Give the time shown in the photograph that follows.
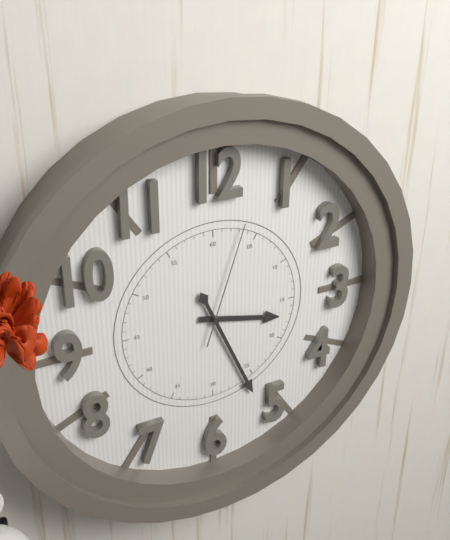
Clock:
3.26.03
